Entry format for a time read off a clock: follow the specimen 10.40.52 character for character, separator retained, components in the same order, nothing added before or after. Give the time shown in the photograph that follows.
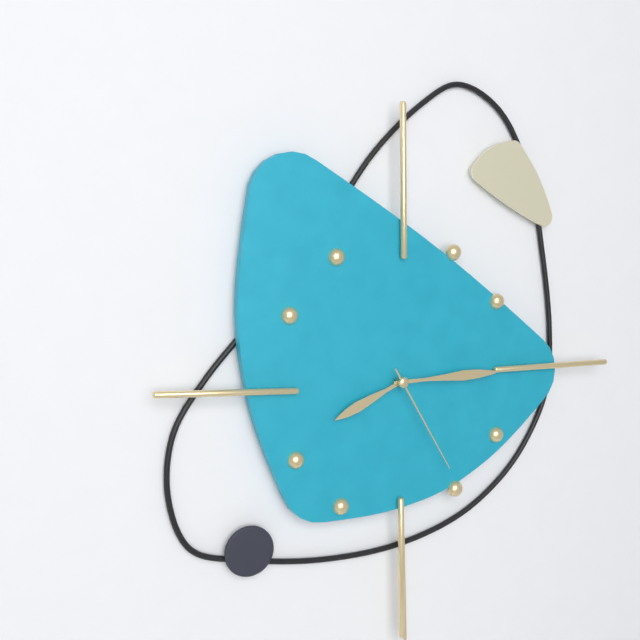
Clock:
8.15.25
